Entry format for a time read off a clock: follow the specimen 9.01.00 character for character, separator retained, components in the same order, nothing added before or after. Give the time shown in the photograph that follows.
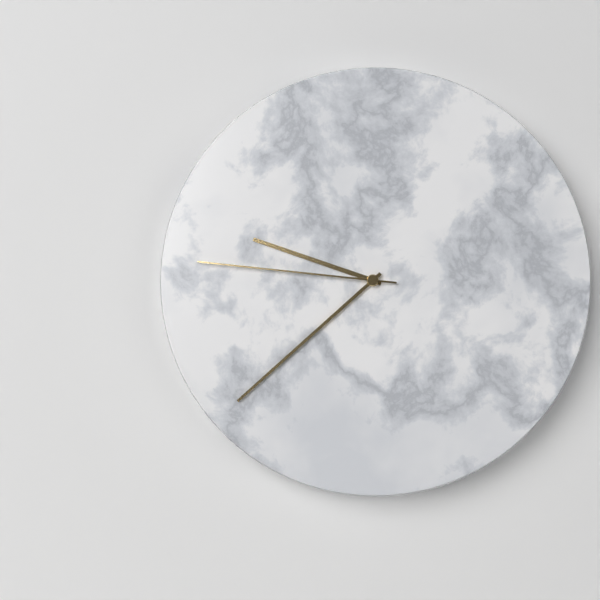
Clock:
9.38.46
